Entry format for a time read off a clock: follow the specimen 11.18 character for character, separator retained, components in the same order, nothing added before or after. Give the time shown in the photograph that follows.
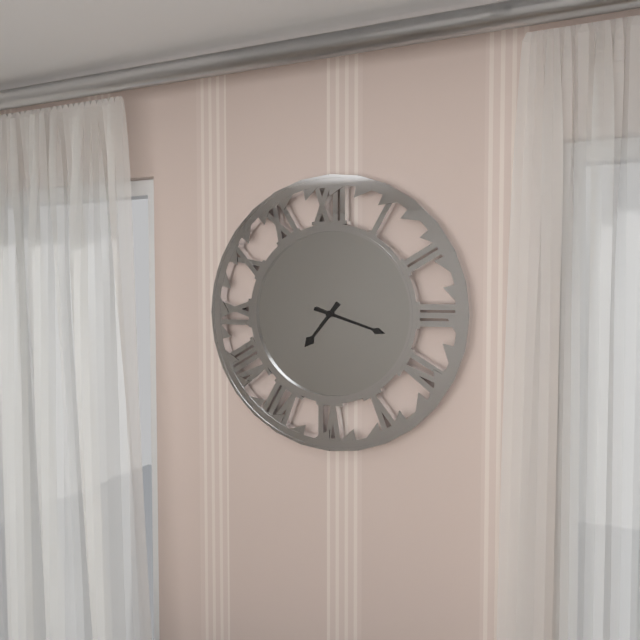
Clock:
7.18
